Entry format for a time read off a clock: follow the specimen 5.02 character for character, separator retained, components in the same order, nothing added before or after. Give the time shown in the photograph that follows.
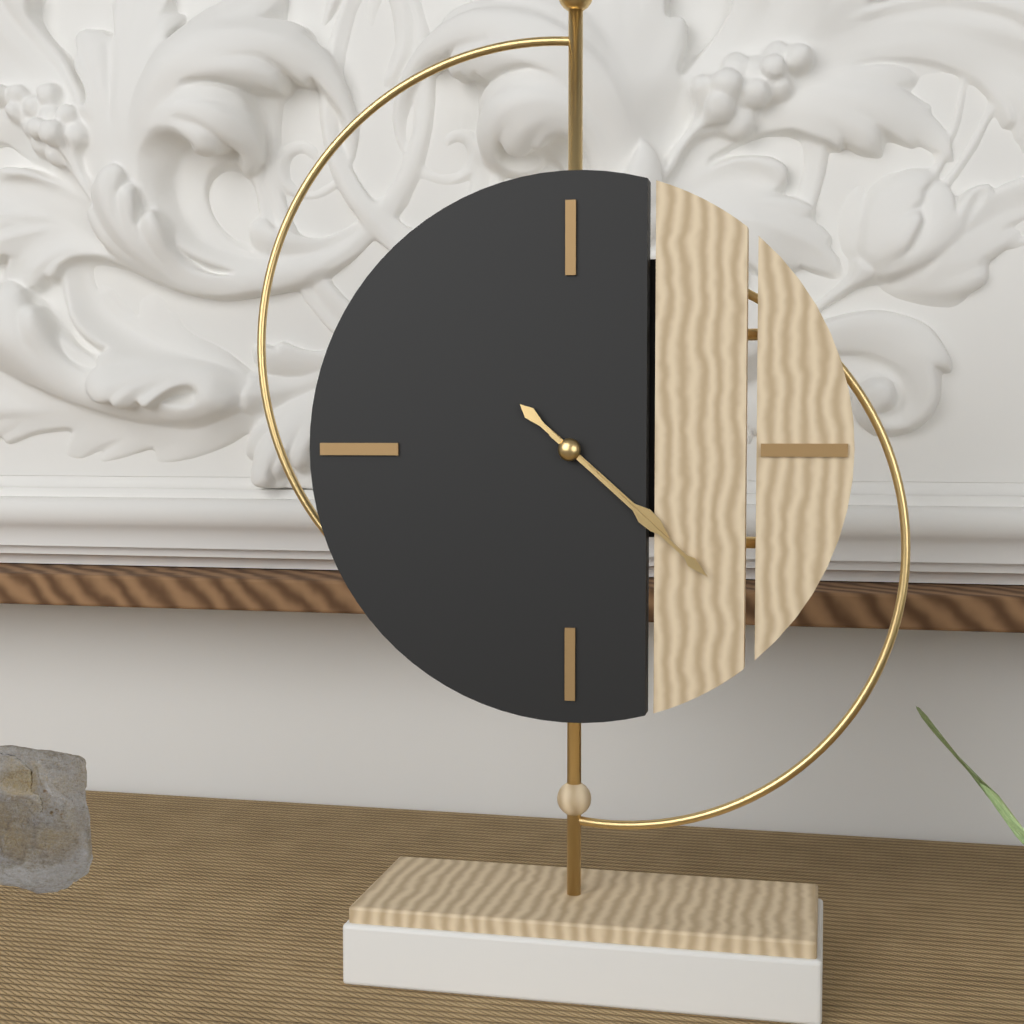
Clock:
4.22
